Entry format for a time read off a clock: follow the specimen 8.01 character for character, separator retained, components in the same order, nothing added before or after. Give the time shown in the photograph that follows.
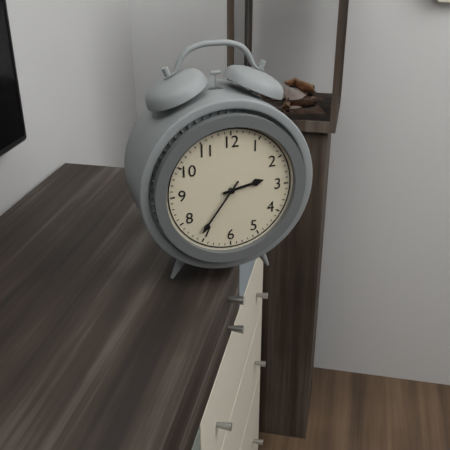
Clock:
2.36
